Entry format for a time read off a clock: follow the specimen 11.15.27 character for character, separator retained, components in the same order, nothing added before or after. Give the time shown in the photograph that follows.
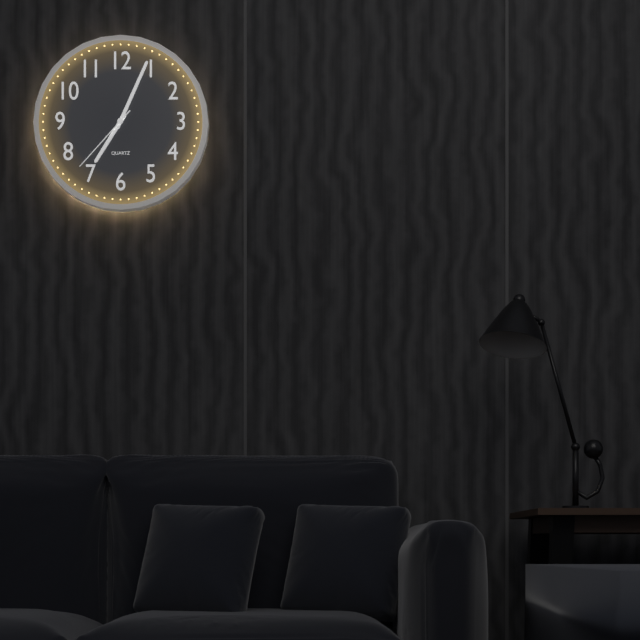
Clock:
7.04.37
